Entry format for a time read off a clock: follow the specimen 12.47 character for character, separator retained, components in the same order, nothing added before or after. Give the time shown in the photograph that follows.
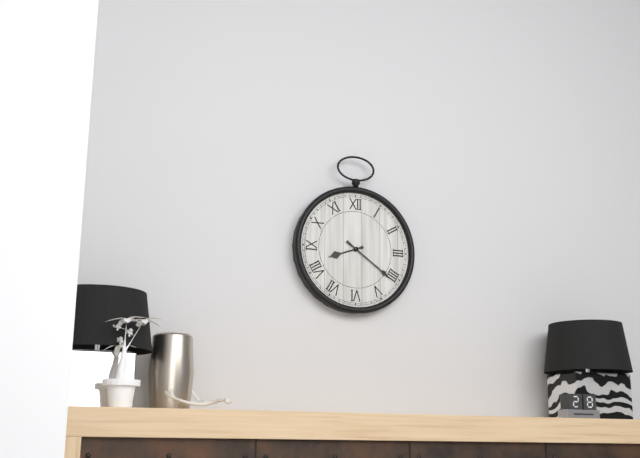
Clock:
8.21
